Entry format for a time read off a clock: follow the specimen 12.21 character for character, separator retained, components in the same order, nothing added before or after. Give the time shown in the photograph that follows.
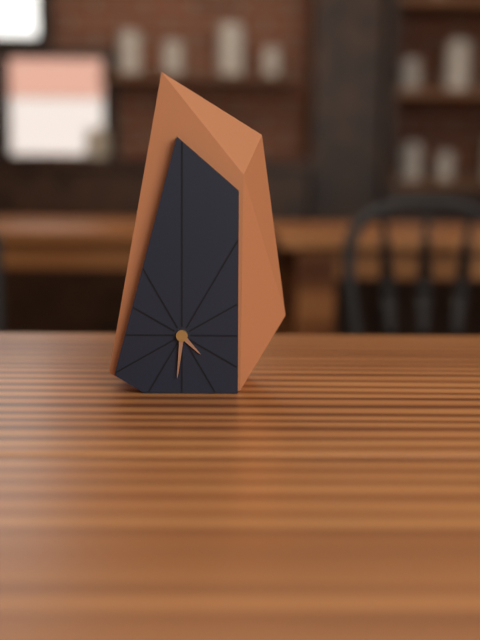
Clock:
4.31
